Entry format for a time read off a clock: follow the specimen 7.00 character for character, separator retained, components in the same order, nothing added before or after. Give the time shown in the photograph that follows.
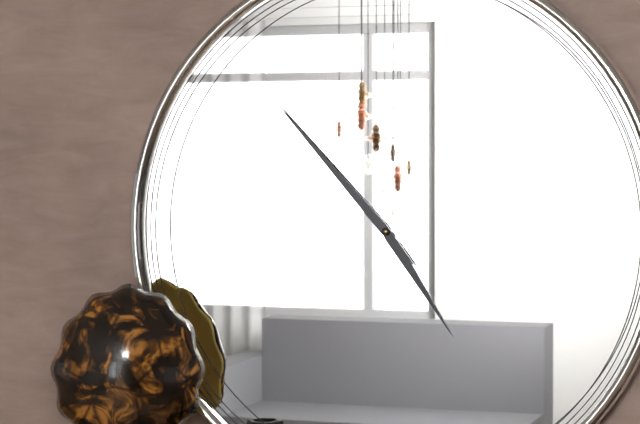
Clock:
4.53
